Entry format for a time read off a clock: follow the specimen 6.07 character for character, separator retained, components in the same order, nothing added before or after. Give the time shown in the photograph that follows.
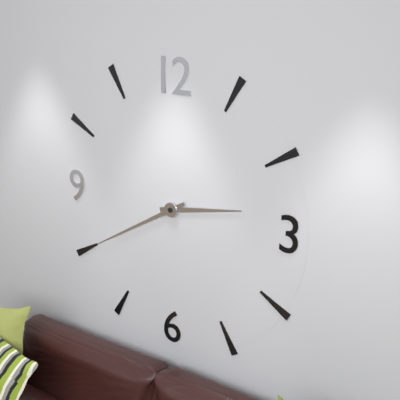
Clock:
2.40
